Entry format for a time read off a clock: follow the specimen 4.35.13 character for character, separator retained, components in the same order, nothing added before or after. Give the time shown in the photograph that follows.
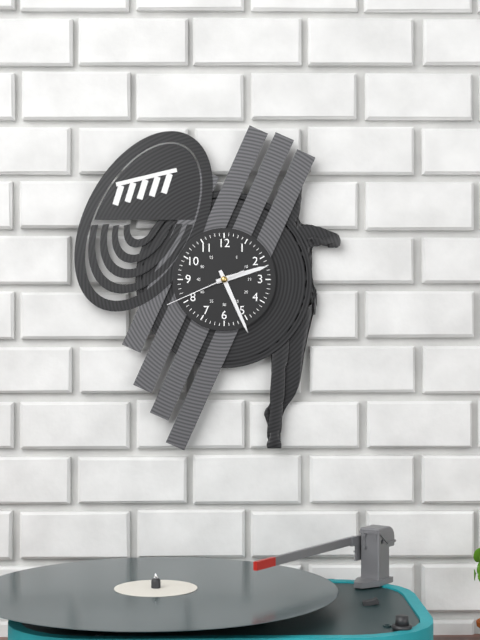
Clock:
2.26.41
